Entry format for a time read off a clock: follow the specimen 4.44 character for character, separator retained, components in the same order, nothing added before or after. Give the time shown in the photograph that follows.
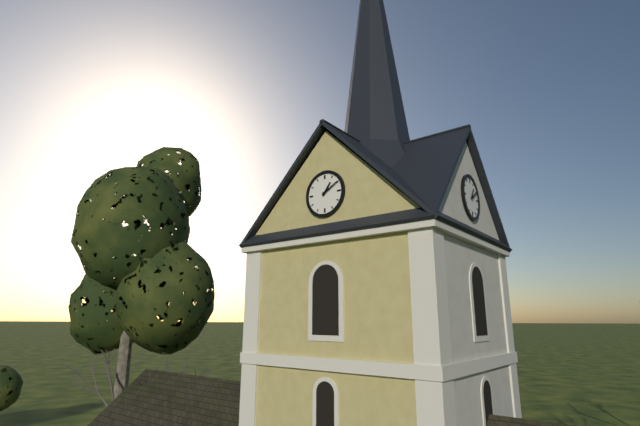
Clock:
1.10
